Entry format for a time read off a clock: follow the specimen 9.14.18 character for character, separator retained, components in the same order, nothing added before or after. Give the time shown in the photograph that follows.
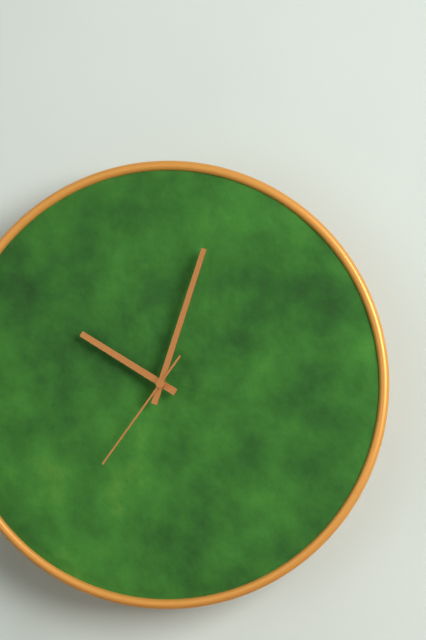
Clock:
10.03.36
